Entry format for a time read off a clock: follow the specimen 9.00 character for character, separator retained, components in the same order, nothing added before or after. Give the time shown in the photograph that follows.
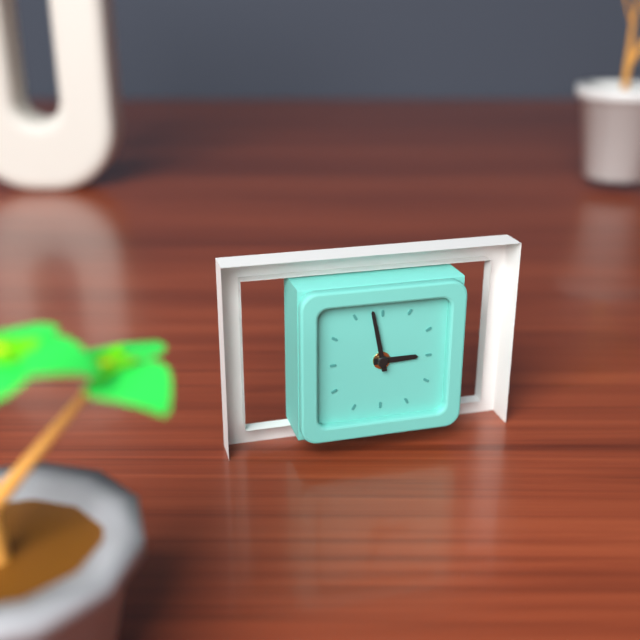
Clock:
2.58
